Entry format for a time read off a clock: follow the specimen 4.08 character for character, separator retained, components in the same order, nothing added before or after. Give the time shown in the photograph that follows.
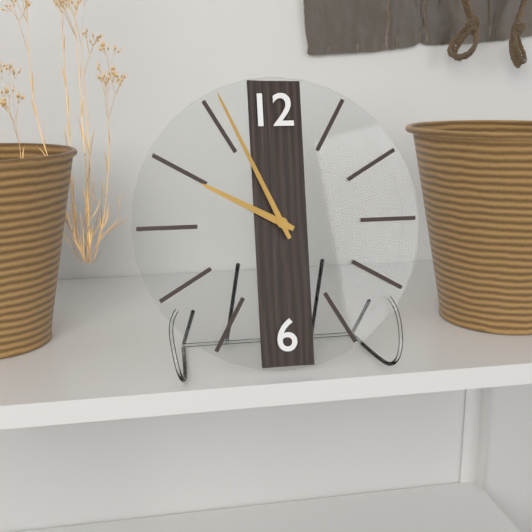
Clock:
9.56
